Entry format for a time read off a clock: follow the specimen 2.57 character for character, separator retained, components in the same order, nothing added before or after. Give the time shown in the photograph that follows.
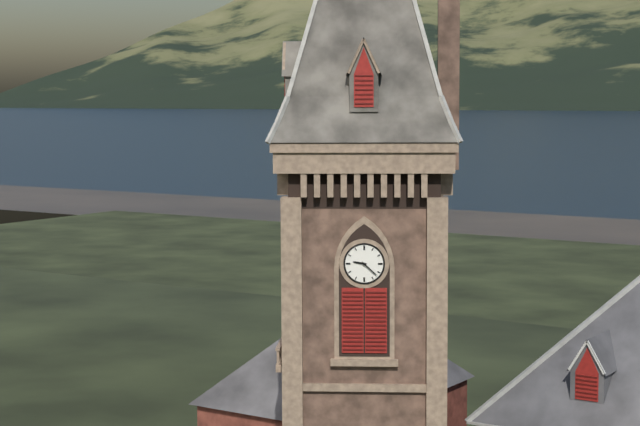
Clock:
9.22
